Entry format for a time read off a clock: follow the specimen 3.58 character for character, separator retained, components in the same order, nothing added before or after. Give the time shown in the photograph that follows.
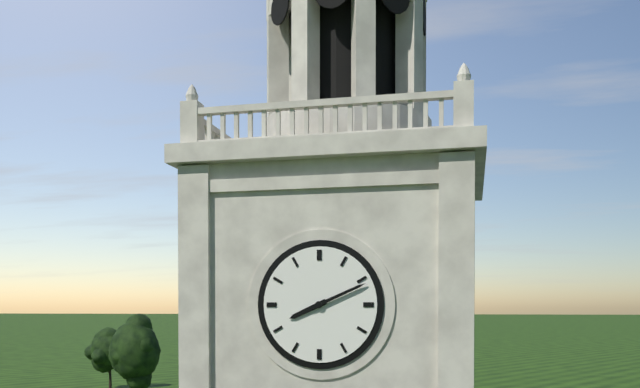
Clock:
8.11
